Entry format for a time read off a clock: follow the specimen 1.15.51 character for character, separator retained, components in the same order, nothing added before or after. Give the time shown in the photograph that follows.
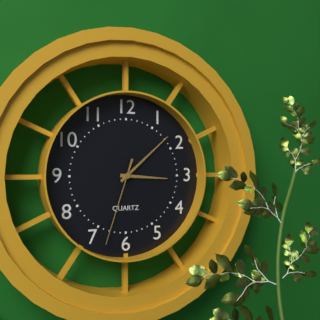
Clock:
3.08.33
